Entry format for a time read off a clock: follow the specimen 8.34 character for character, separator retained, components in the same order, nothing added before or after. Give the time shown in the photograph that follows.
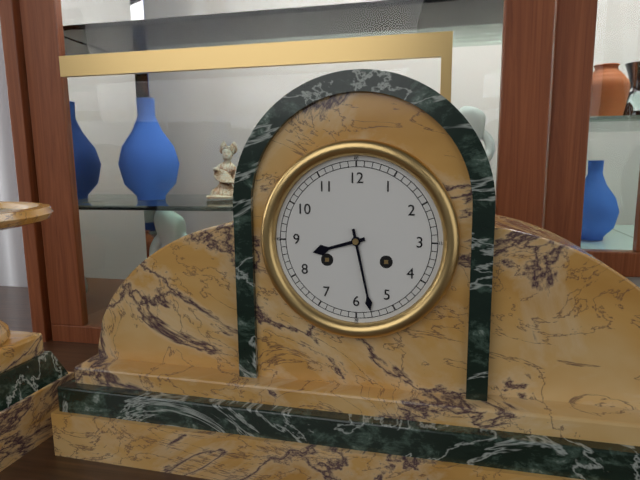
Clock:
8.28
